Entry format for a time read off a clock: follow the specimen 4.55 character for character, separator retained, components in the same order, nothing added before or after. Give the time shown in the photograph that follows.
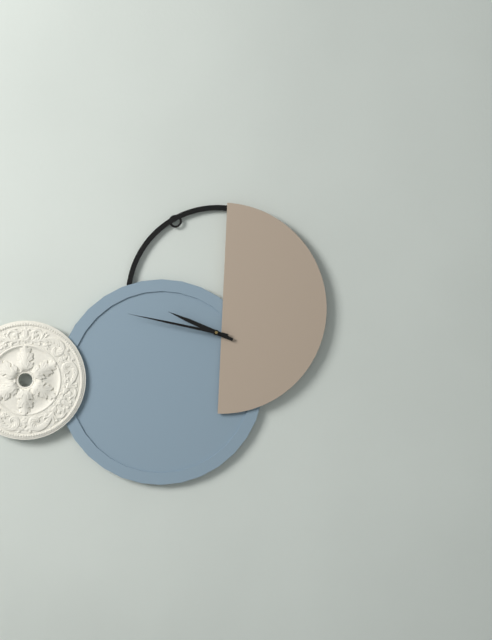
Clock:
9.47
